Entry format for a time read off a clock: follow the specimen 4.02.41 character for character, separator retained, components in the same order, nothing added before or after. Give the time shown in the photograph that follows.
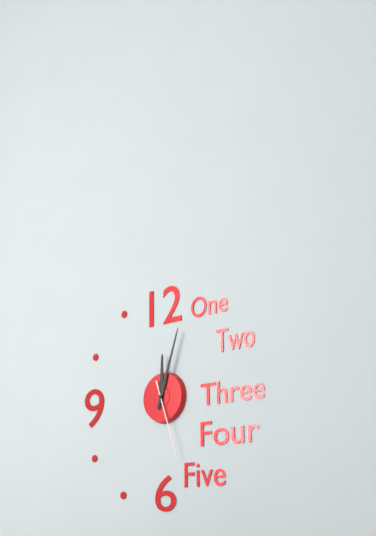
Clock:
12.03.27
